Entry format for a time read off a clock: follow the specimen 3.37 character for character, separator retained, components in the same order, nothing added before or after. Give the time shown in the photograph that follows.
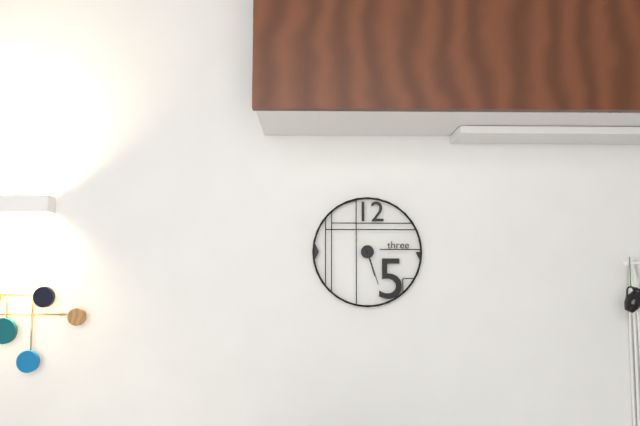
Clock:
5.27
